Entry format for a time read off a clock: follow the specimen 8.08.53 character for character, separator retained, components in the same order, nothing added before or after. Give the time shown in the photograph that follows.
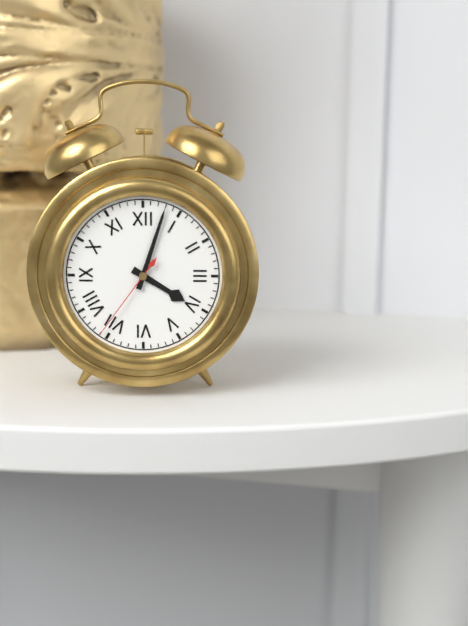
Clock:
4.03.36
